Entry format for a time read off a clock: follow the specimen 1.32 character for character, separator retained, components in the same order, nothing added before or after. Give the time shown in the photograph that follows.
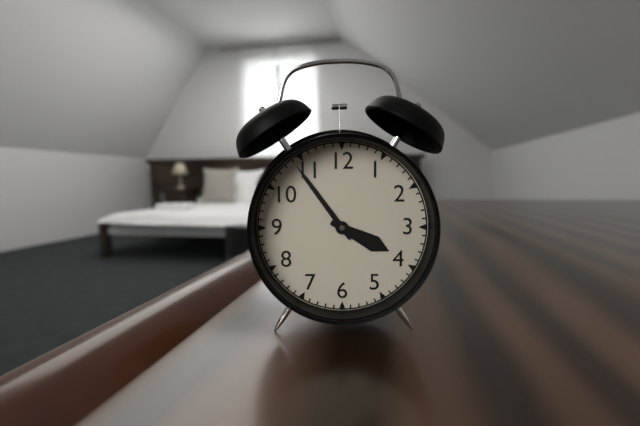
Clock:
3.54
